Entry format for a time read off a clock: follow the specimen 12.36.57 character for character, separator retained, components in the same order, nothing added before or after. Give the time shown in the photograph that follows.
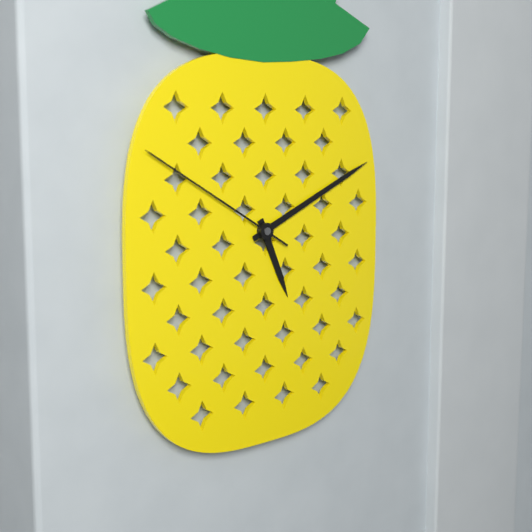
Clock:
5.11.50
